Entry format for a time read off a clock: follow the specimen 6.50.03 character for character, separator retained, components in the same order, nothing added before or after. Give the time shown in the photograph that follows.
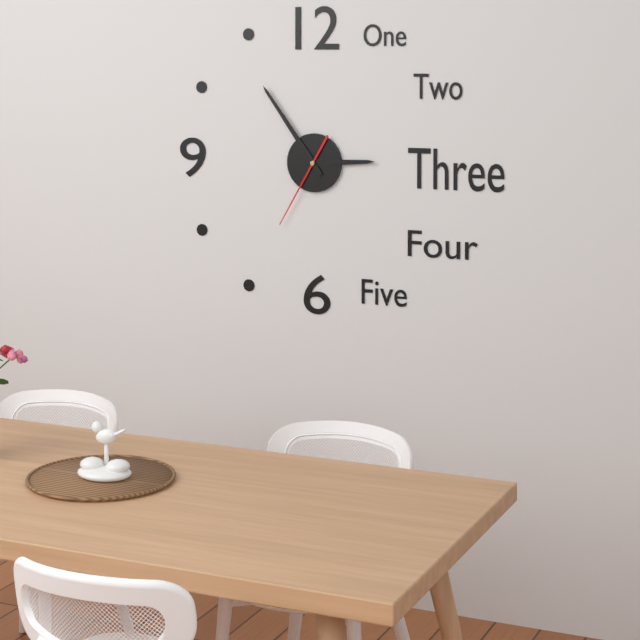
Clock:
2.54.35
